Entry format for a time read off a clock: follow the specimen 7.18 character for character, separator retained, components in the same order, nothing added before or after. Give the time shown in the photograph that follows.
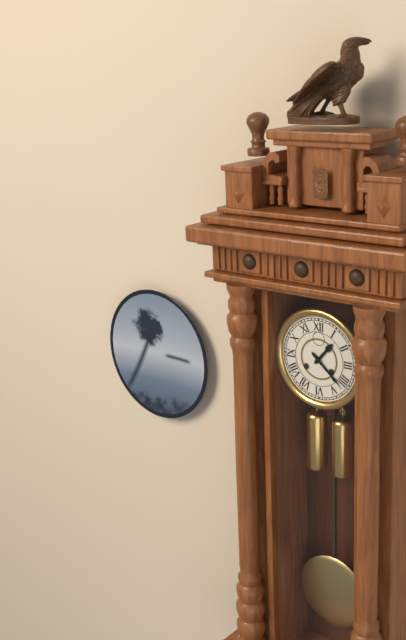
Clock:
1.22
